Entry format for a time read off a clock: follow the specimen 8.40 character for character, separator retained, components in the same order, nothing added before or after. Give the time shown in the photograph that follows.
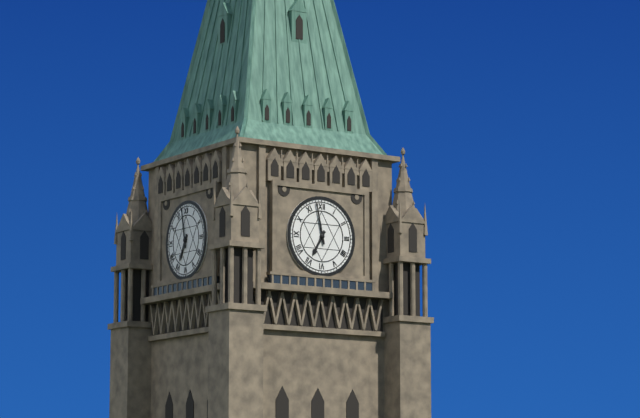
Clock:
6.58
